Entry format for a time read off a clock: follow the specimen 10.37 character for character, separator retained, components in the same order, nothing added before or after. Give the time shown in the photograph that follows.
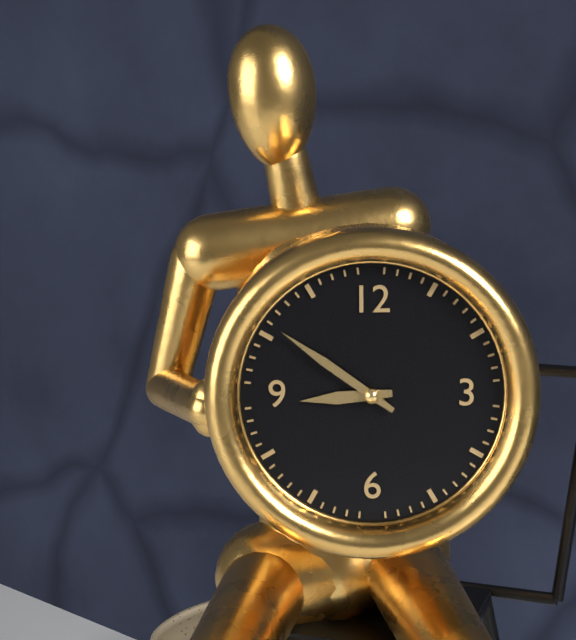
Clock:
8.51
